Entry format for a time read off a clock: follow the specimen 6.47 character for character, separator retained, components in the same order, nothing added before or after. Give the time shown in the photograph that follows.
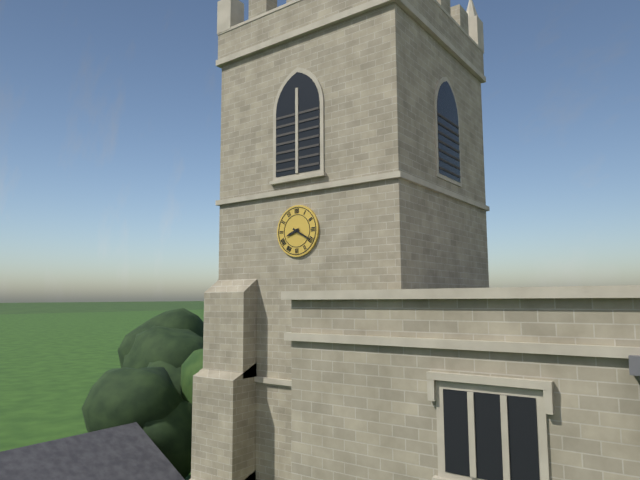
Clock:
8.20
